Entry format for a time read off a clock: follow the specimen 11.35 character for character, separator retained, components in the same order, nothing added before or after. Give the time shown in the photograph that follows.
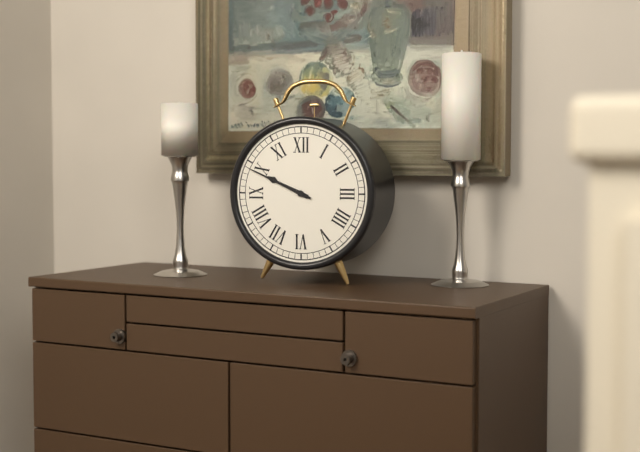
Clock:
9.49
